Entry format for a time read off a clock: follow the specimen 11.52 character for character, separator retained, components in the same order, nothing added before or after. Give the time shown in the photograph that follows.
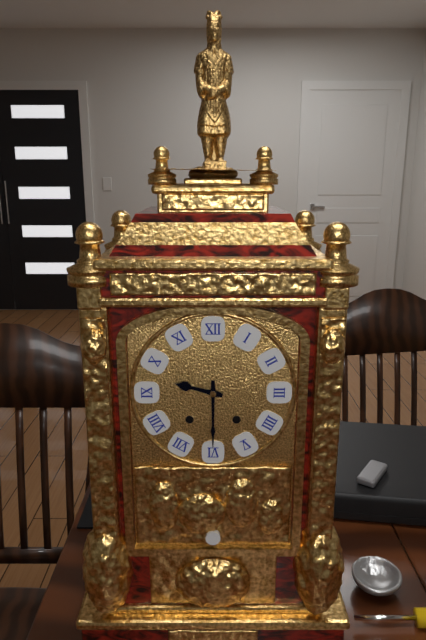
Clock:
9.30
